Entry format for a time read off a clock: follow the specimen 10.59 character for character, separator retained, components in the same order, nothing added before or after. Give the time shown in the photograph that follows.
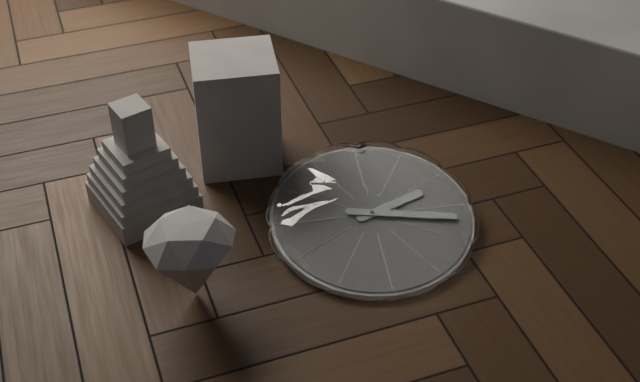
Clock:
2.17
